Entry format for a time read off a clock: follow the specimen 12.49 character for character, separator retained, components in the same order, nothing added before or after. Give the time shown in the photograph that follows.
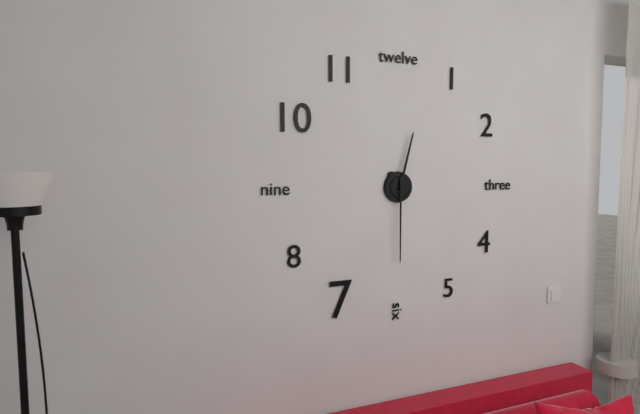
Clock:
12.30
